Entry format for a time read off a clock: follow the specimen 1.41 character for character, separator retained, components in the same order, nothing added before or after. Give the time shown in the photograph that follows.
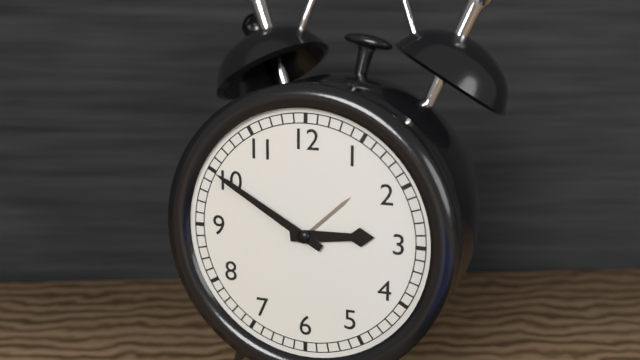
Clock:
2.50
